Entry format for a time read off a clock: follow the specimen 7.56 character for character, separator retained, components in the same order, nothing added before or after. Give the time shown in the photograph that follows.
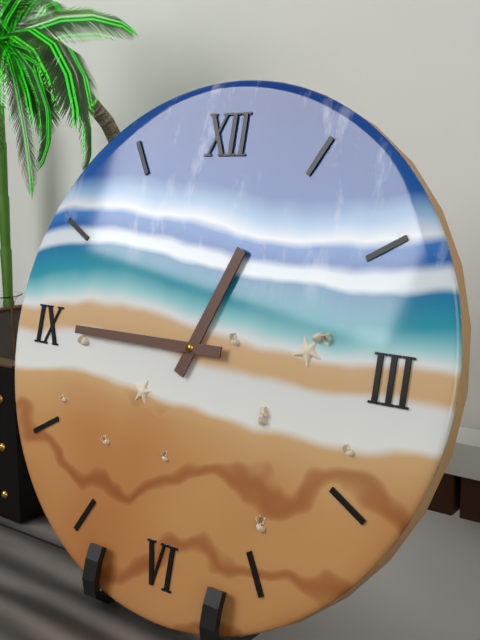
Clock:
12.45
